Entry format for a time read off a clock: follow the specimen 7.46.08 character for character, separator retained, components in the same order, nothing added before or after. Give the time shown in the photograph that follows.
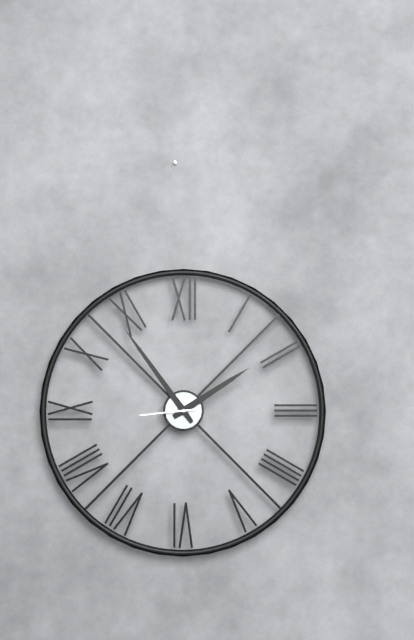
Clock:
1.54.44
